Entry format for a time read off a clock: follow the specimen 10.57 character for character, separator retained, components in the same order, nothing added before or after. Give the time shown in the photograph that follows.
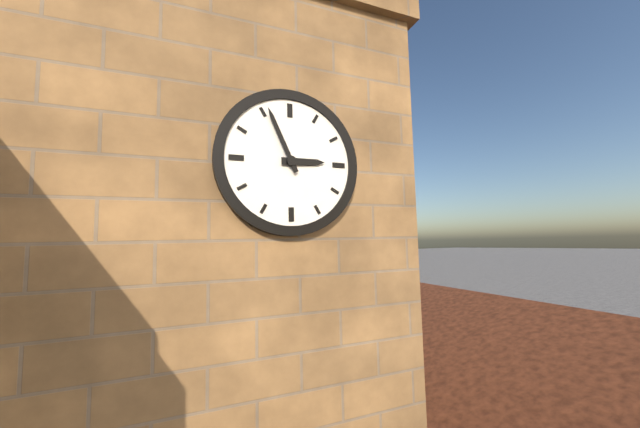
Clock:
2.56
